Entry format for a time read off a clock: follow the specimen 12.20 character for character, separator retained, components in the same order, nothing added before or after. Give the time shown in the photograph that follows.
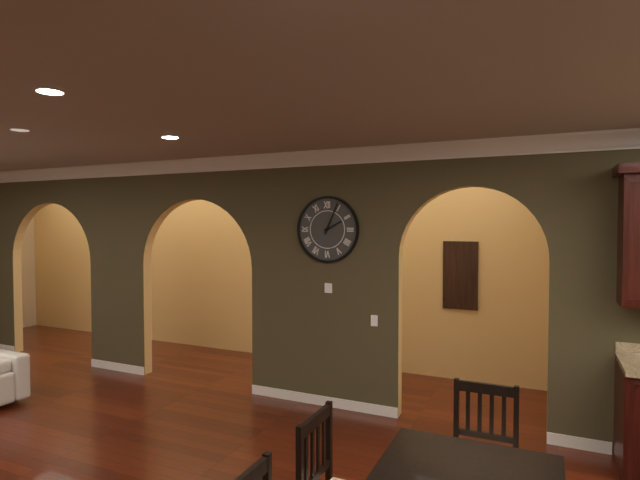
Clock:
2.04
